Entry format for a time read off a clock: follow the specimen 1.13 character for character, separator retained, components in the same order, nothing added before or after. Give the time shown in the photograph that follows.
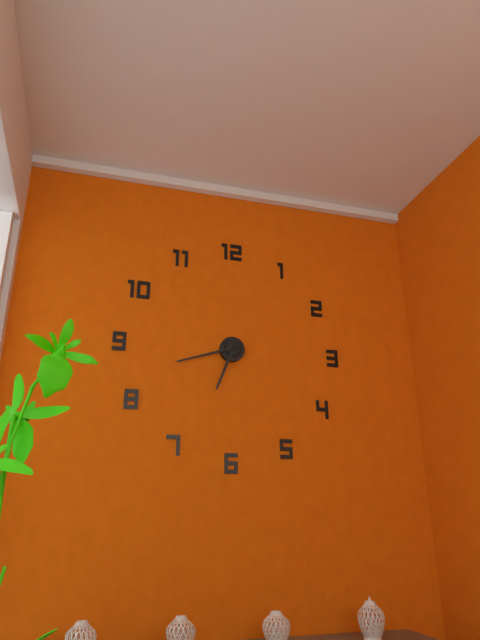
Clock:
6.42
